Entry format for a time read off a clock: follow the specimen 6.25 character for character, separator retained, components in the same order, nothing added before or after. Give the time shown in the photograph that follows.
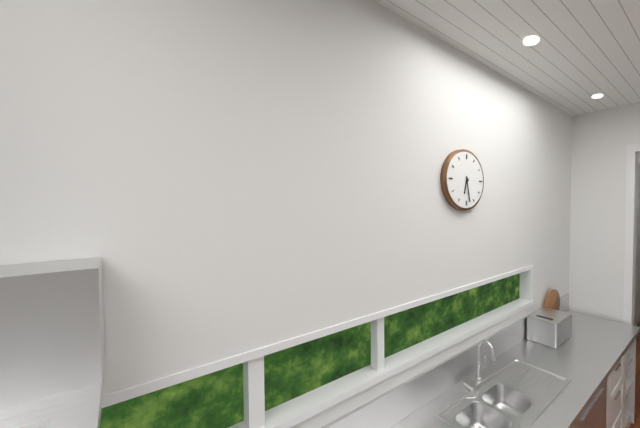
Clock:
6.28
